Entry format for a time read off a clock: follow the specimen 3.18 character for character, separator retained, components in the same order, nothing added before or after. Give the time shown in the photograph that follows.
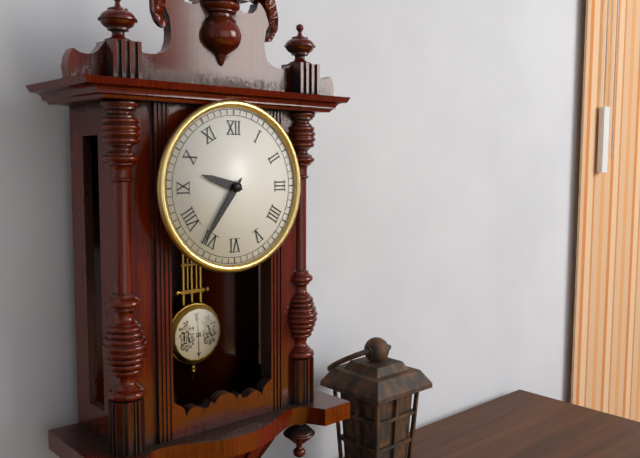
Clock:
9.36
